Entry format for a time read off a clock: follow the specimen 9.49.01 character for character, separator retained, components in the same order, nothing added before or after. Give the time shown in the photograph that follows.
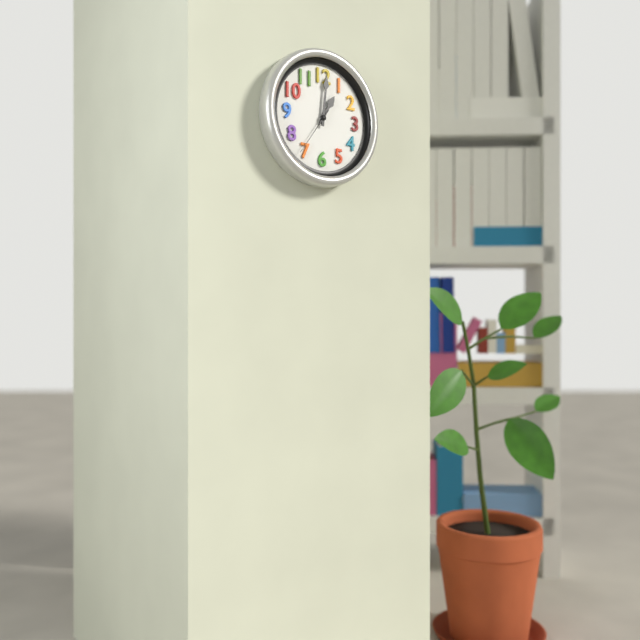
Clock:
1.01.36
